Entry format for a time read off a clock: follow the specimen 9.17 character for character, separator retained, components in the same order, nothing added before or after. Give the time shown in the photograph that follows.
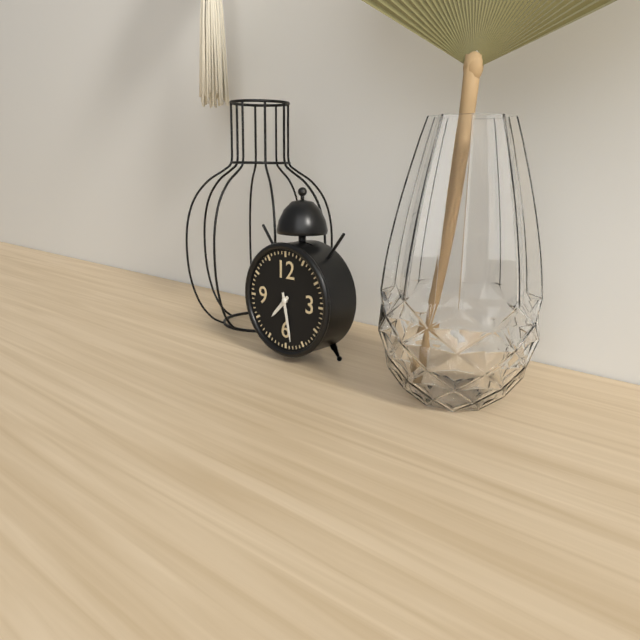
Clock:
7.28
